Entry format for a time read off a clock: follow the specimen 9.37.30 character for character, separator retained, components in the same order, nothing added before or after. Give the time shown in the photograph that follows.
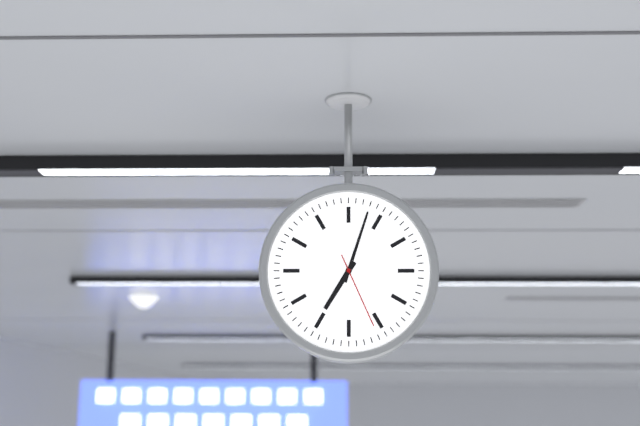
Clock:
7.03.26
